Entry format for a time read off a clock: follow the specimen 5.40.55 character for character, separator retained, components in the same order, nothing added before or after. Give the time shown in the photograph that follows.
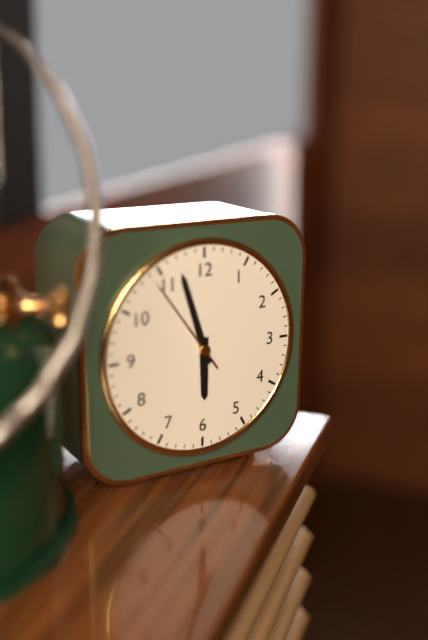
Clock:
5.57.54
